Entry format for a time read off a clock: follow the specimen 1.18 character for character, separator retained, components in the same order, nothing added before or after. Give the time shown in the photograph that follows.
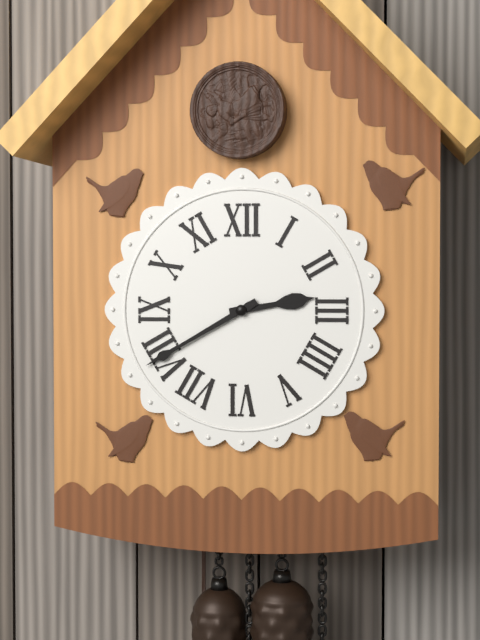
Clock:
2.40
